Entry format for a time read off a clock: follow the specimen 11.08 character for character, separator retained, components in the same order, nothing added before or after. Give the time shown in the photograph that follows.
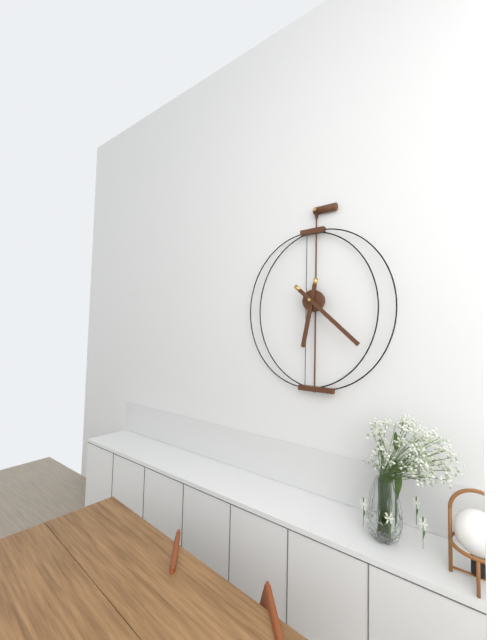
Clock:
6.22
